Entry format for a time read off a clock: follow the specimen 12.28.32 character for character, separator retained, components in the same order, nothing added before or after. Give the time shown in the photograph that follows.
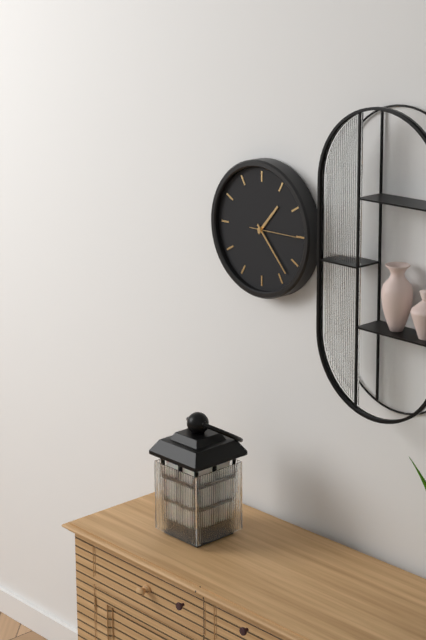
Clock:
1.23.15
